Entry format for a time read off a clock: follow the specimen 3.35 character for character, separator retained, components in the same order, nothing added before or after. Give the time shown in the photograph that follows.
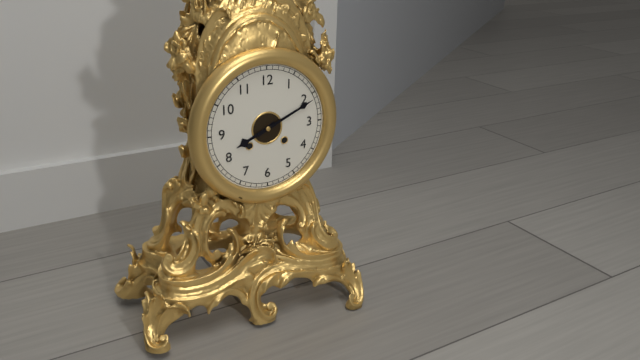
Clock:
8.11
